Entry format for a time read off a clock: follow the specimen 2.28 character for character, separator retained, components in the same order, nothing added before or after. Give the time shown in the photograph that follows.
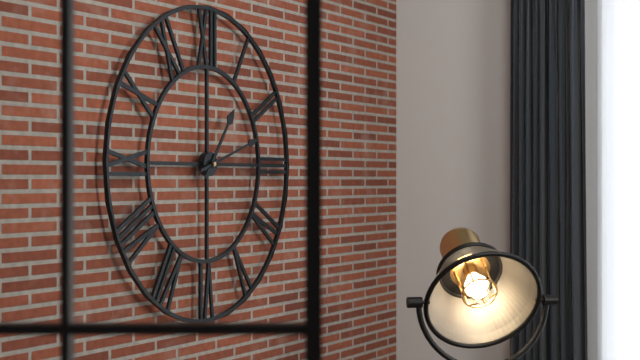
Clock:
1.12
